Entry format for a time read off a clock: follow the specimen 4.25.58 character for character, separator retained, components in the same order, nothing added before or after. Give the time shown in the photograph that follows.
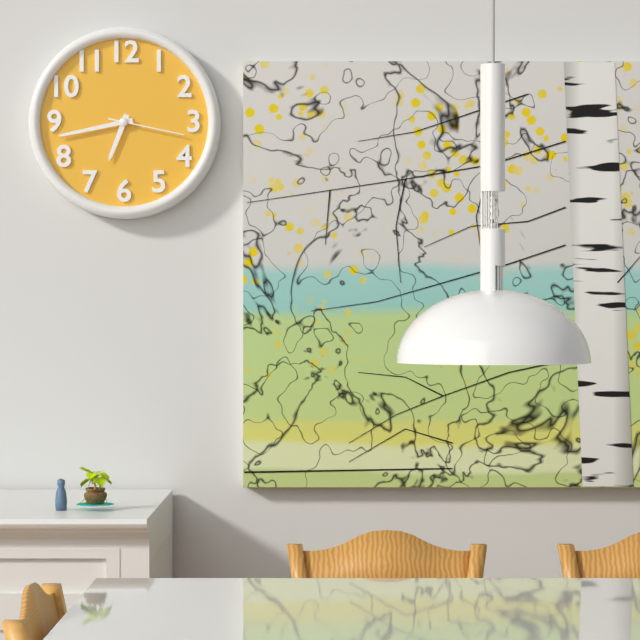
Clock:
6.43.17
